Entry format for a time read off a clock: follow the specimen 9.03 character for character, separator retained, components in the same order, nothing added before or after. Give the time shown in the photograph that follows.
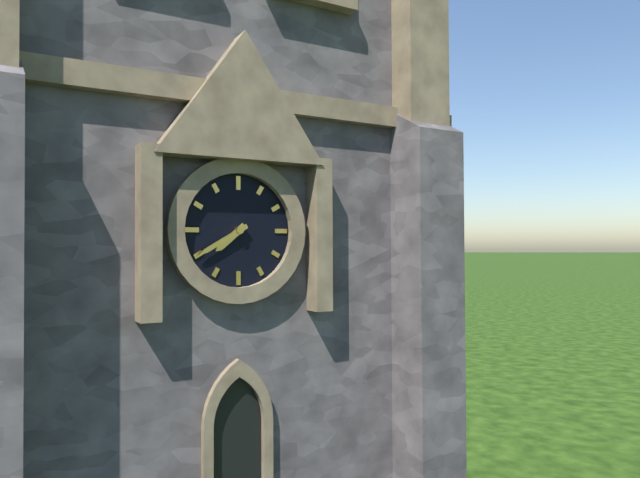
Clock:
7.40
